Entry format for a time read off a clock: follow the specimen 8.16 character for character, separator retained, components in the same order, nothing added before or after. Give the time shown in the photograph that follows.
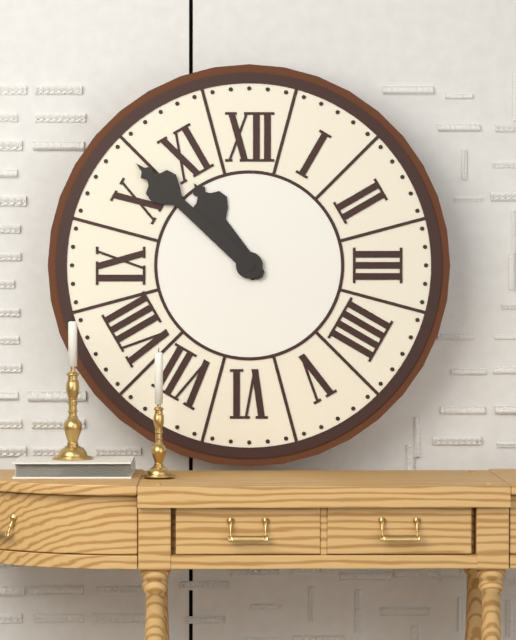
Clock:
10.52
